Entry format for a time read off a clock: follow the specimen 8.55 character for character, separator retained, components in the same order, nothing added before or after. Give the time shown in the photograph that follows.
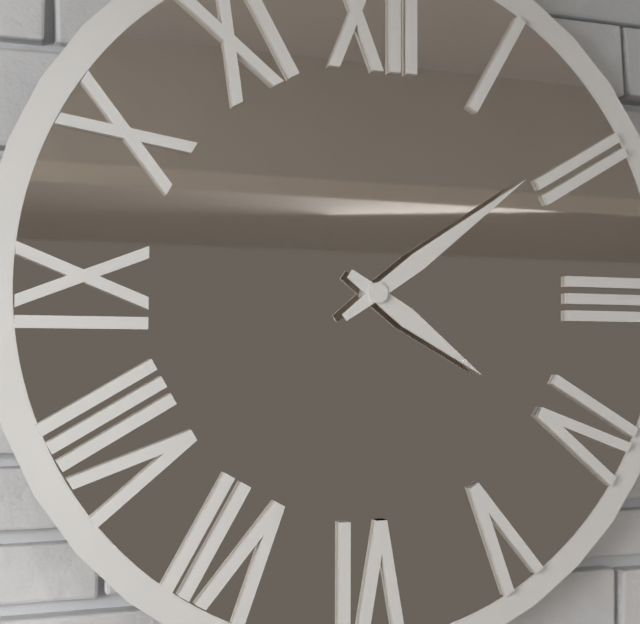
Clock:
4.09
